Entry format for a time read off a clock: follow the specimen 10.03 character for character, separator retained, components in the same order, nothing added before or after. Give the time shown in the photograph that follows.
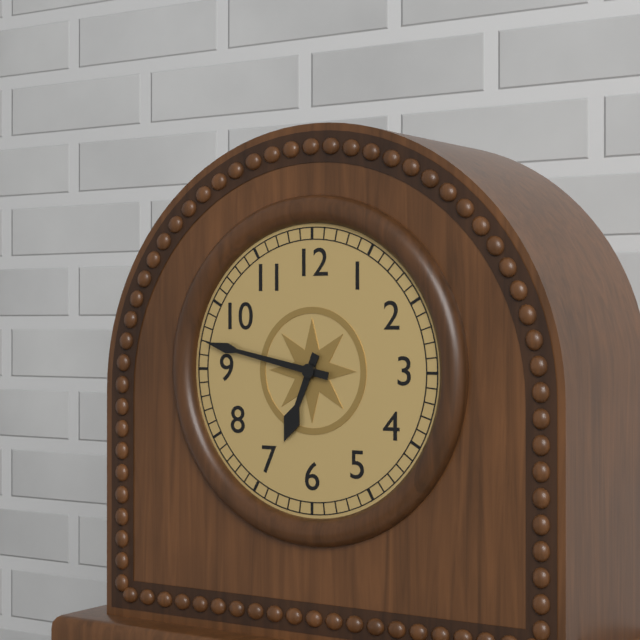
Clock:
6.47
